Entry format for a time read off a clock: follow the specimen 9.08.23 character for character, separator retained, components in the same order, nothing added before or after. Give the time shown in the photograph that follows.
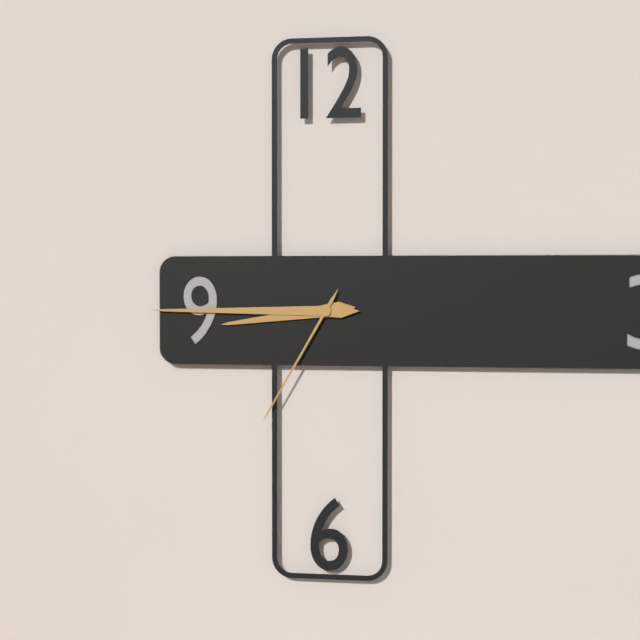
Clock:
8.45.35
